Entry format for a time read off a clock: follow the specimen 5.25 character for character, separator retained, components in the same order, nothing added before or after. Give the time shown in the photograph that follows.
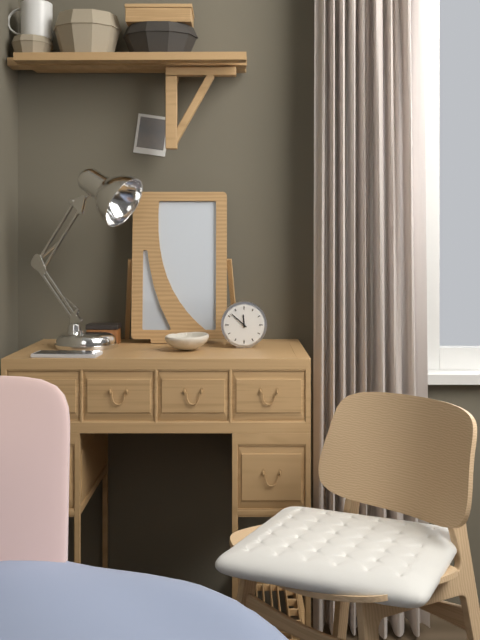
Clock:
11.52
